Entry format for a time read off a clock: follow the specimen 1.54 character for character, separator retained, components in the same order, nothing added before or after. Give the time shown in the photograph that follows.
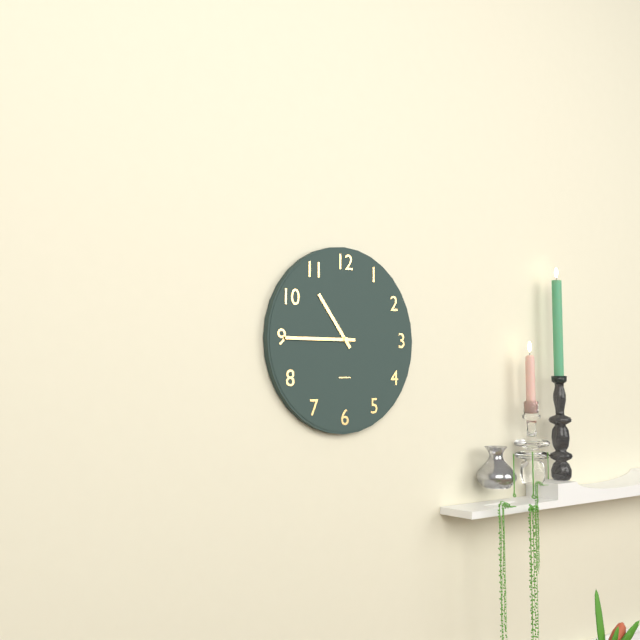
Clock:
10.45
